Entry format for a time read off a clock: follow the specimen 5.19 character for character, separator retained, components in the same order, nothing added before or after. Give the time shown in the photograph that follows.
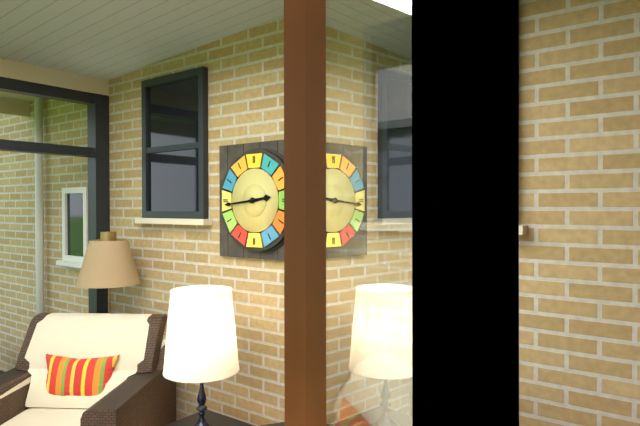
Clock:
2.44
